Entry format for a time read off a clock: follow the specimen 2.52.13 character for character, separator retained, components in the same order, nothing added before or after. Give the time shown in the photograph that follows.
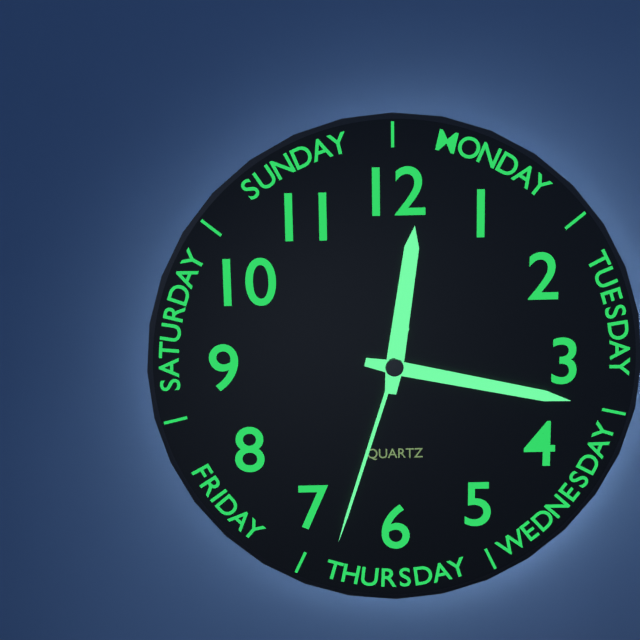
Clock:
12.17.33
